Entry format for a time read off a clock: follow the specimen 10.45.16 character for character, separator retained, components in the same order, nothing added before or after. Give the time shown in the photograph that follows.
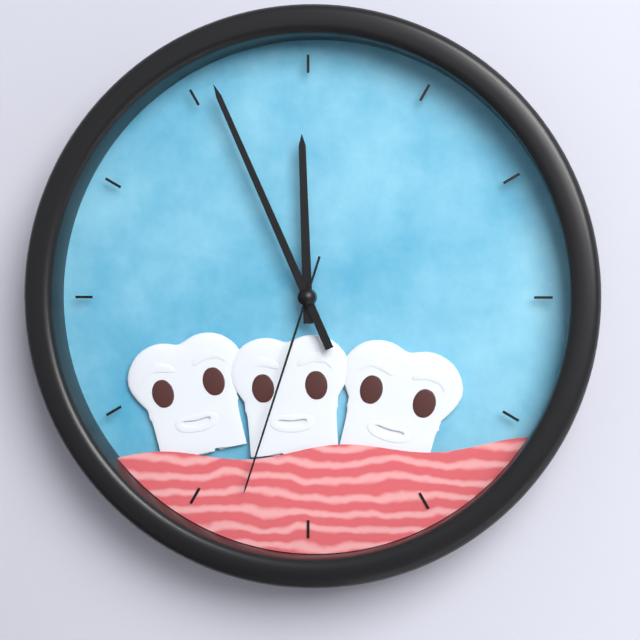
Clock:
11.56.33
